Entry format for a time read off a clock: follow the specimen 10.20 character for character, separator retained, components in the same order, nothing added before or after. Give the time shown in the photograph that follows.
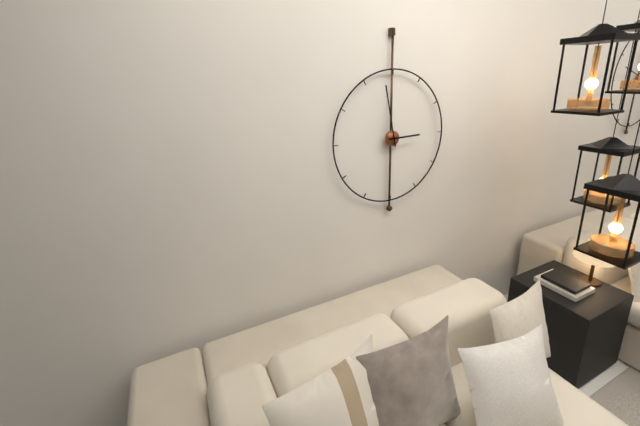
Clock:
2.58
